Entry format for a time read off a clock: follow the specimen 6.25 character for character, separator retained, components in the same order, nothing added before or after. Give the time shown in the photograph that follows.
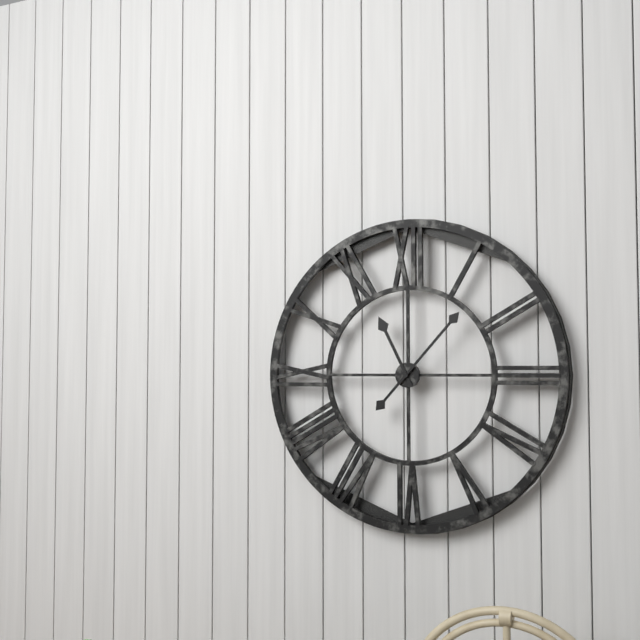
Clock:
11.07
